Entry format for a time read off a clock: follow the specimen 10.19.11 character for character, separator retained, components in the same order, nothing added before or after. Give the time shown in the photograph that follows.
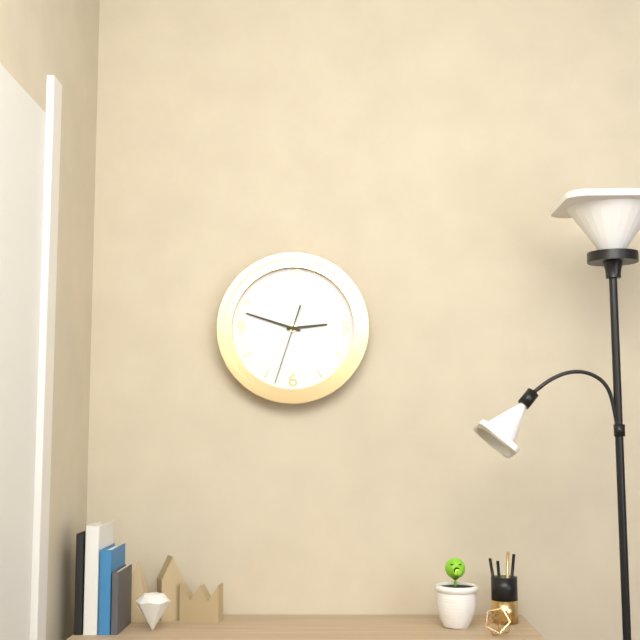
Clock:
2.48.33
